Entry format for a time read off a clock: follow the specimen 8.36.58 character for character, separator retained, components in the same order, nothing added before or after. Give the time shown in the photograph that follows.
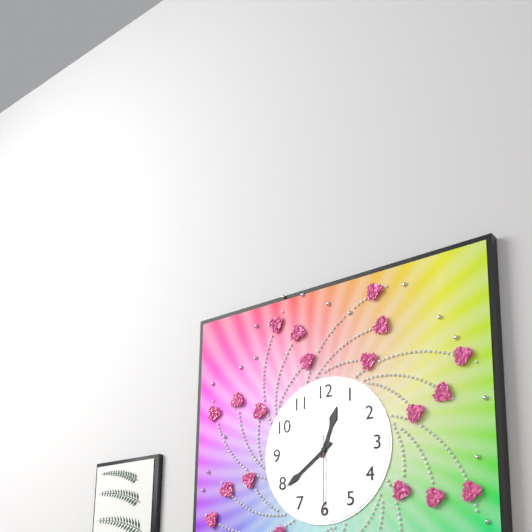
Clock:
12.39.30
